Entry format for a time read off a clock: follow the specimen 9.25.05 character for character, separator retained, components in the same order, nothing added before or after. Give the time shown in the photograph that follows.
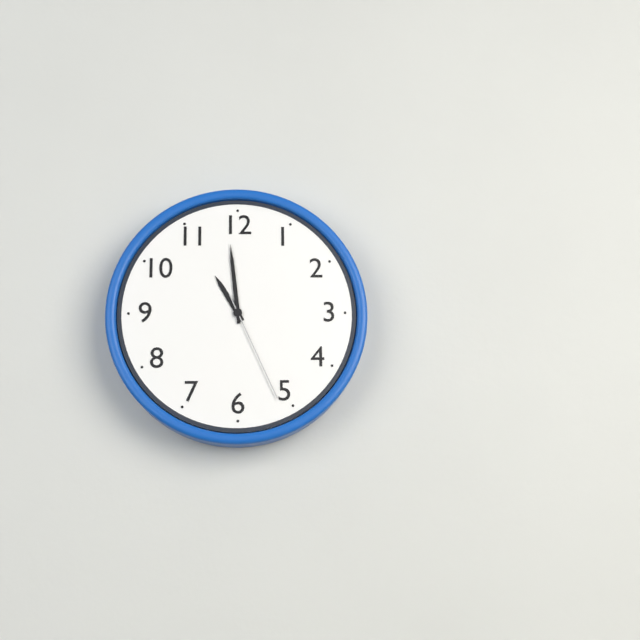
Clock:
10.59.26
